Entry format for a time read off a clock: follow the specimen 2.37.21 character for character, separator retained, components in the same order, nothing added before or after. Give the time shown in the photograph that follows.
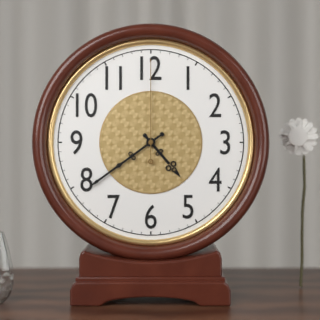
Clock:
4.39.00
